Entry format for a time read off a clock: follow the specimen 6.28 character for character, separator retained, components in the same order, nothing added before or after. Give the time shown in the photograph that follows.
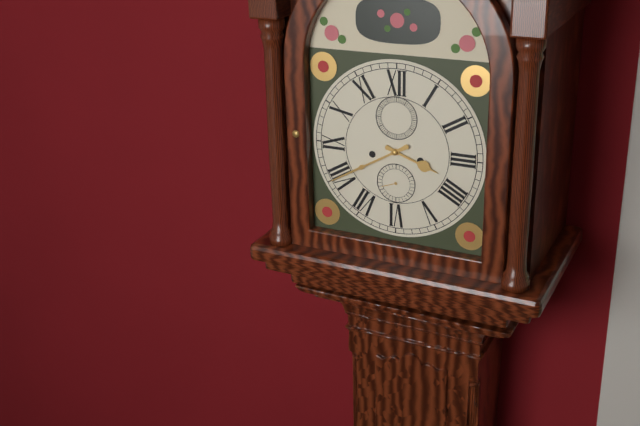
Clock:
3.40
